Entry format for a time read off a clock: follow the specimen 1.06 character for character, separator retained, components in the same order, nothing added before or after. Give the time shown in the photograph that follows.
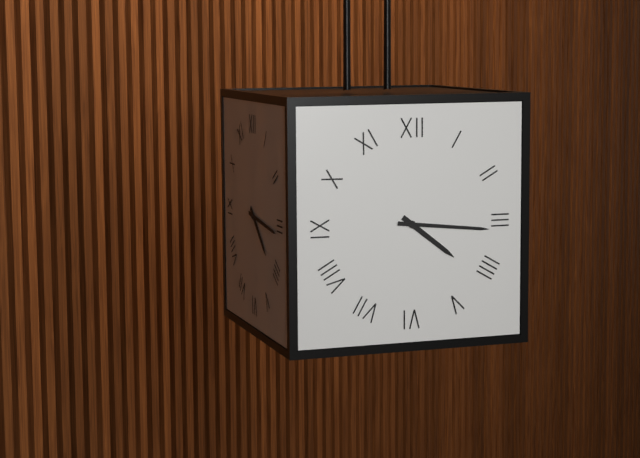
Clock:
4.16
